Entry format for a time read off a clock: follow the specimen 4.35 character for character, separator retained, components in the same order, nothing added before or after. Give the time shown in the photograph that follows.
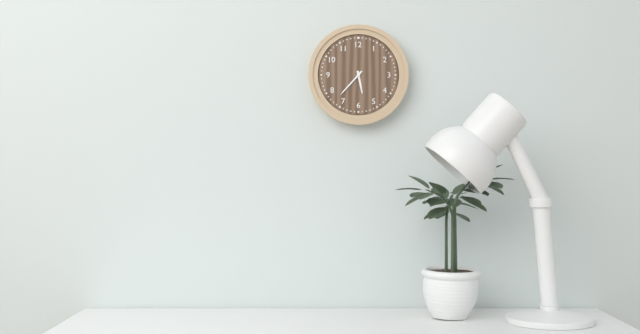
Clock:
5.37
